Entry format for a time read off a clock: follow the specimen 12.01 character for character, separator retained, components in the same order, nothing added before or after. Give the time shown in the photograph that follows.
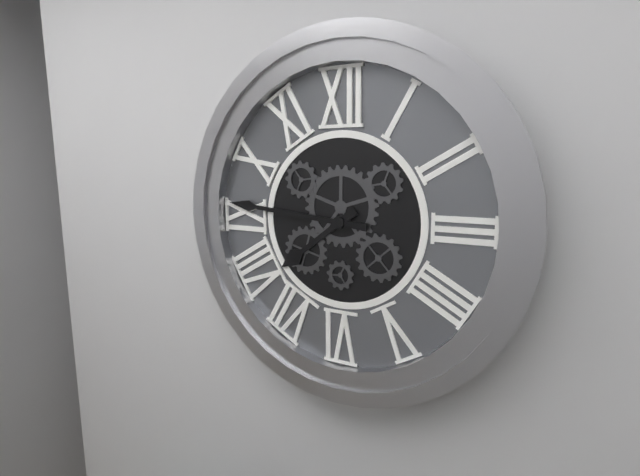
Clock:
7.46
